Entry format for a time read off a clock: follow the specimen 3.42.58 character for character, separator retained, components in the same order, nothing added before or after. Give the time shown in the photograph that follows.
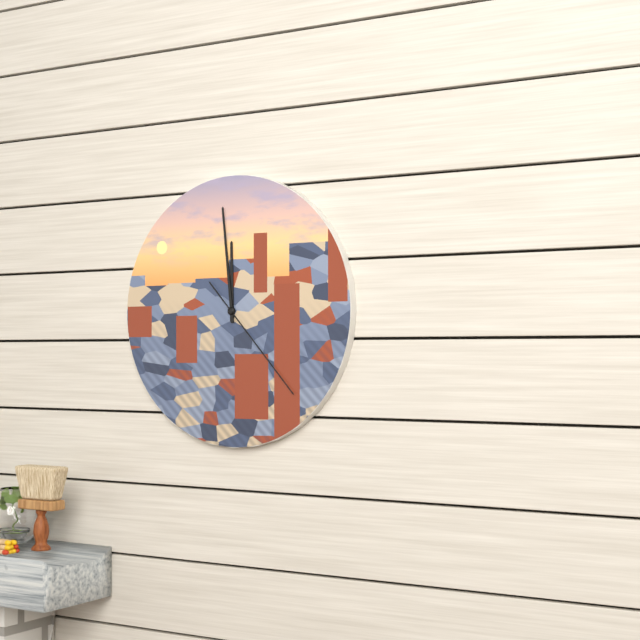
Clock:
11.59.23
